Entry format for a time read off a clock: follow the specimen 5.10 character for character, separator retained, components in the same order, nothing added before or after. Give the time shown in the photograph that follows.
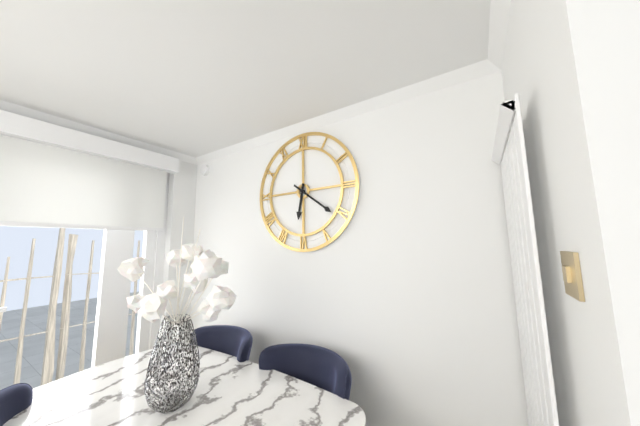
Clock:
6.21
